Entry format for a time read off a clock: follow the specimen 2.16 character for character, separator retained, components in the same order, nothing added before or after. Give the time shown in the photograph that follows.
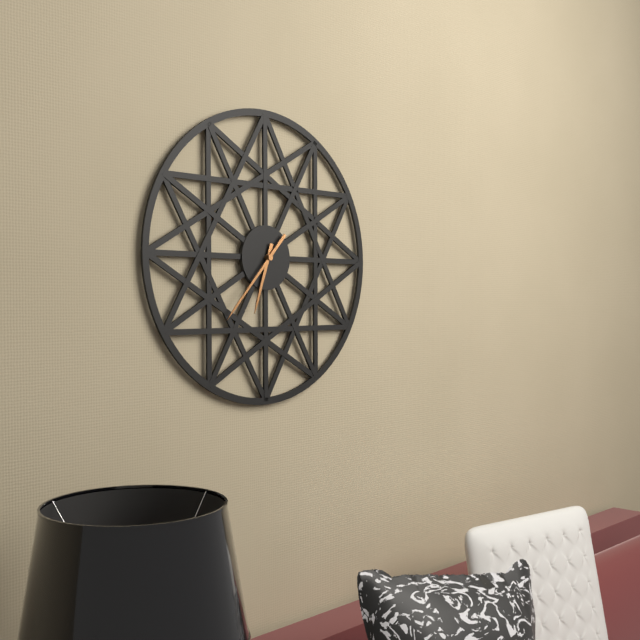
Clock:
6.37
